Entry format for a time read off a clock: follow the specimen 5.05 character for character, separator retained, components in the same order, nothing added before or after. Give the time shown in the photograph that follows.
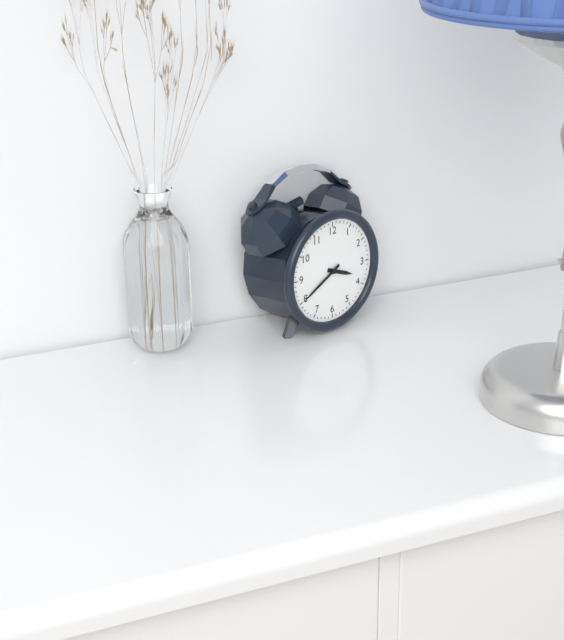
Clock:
3.40
